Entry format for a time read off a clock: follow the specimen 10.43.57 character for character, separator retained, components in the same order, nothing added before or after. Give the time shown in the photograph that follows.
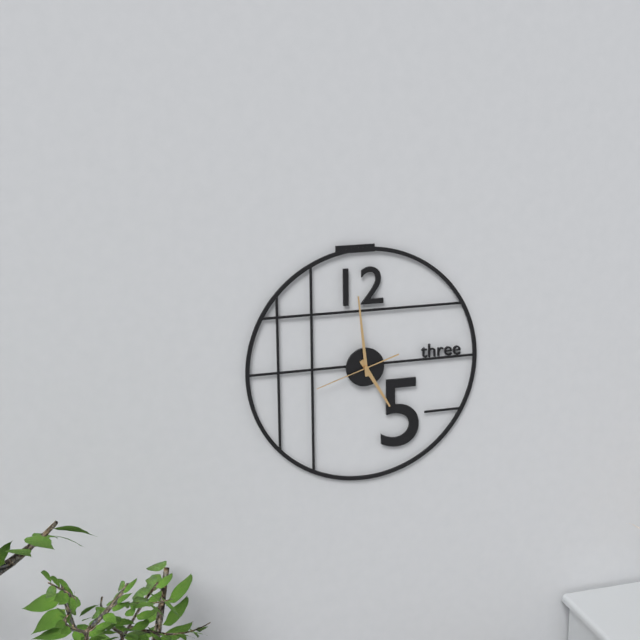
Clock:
4.59.42
